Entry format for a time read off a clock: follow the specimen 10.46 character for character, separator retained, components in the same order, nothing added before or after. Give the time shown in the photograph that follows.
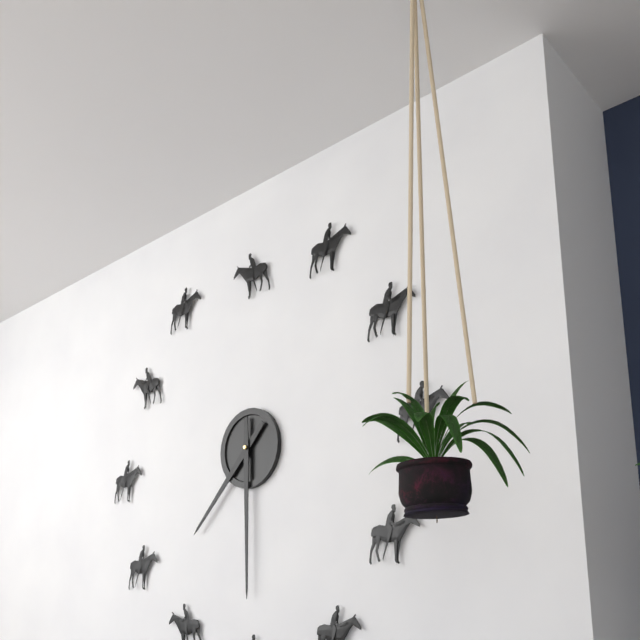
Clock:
7.30
